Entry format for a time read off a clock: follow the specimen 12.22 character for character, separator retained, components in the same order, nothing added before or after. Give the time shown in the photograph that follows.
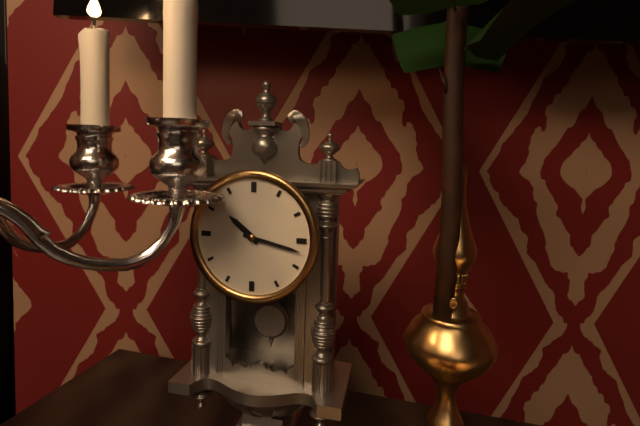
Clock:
10.17
